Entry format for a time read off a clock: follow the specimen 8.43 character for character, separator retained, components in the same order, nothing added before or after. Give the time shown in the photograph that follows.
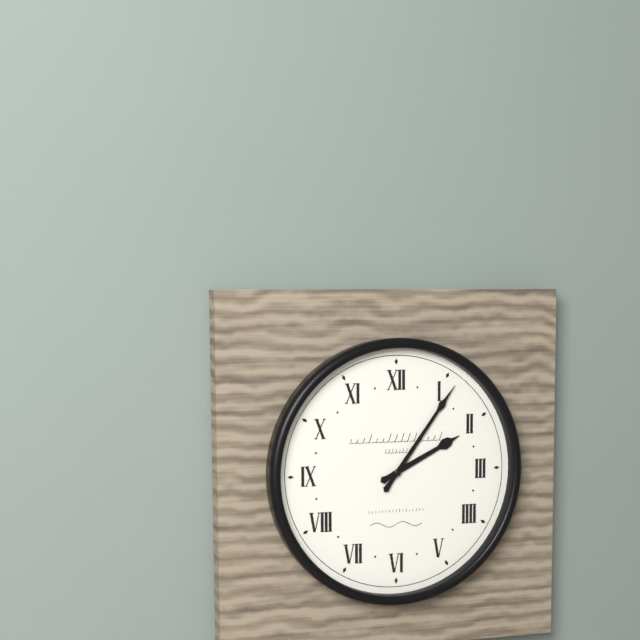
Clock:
2.06
